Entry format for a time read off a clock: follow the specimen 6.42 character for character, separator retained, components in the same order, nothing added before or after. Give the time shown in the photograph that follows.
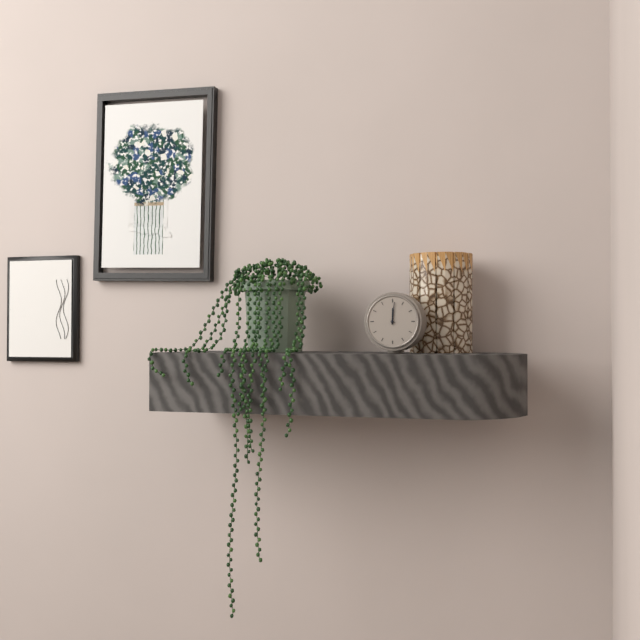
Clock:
12.01
